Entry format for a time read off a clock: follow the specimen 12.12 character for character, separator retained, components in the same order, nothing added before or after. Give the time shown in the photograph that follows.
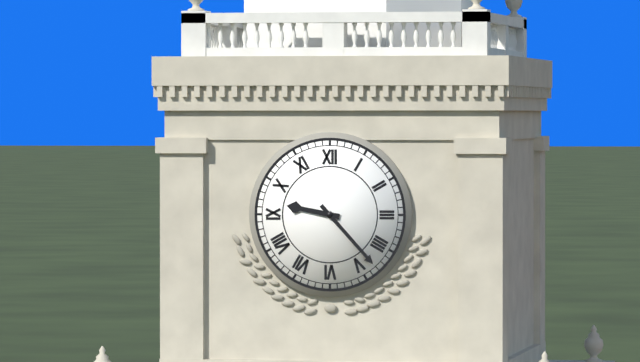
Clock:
9.23
